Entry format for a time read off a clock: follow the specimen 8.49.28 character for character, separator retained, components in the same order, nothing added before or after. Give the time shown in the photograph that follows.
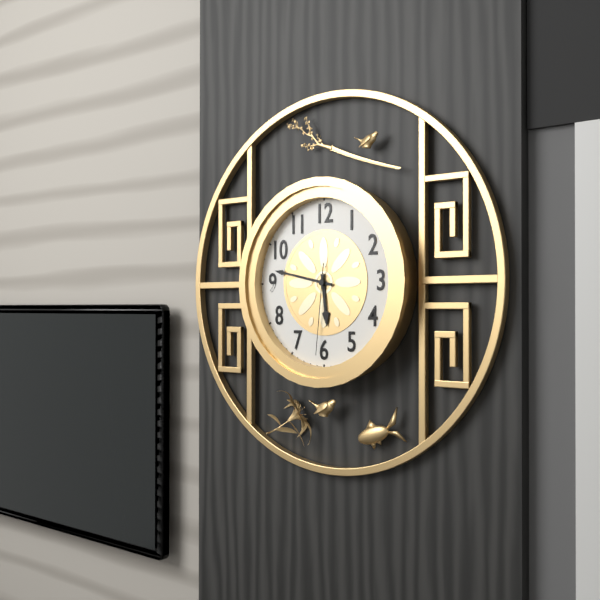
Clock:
5.47.31
